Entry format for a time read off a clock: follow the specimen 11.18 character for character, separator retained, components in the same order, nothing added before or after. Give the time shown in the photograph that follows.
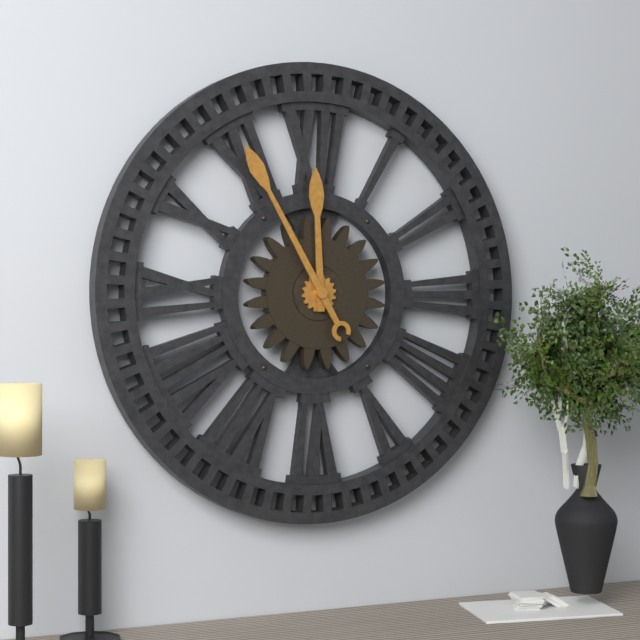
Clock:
11.55
